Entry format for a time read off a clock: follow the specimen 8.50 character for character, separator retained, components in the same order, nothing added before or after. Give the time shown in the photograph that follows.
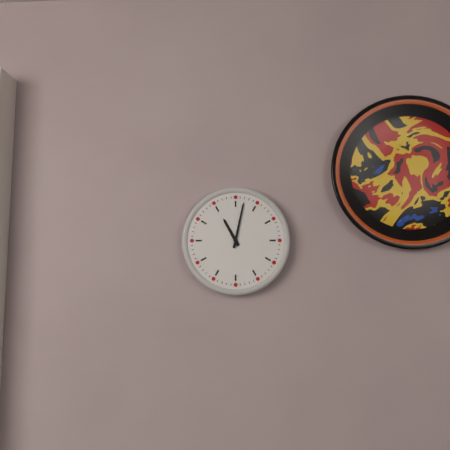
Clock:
11.02
